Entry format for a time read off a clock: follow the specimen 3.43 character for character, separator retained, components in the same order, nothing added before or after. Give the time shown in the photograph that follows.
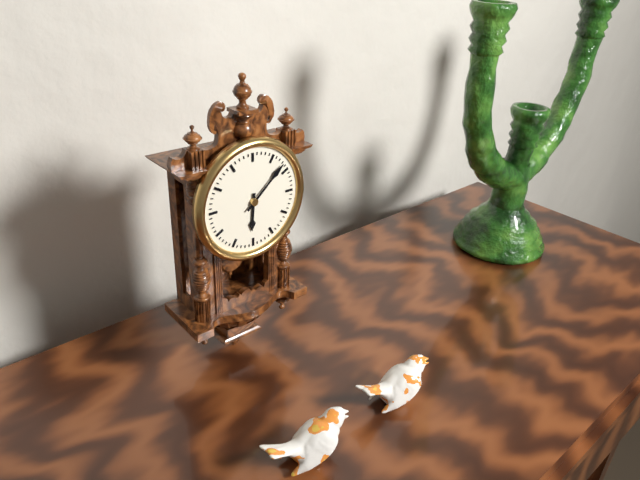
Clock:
6.08
